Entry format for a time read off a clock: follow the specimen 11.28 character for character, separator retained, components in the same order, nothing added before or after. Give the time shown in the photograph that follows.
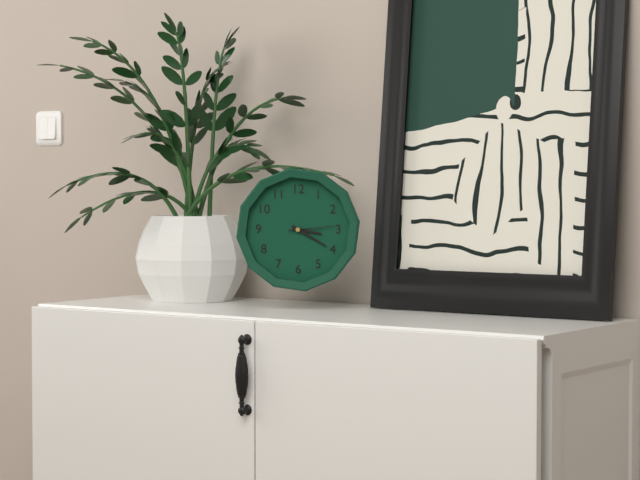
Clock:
3.20
